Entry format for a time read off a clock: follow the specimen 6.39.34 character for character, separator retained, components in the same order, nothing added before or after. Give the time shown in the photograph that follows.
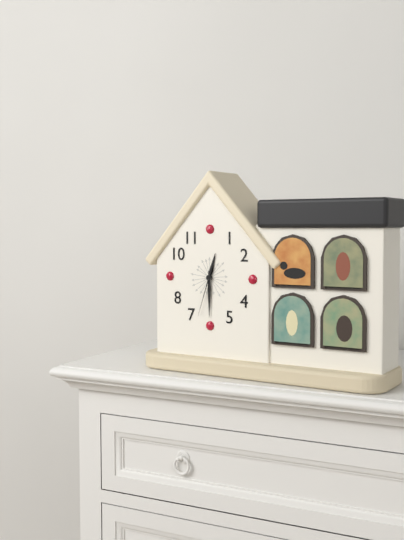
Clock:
12.30.33
